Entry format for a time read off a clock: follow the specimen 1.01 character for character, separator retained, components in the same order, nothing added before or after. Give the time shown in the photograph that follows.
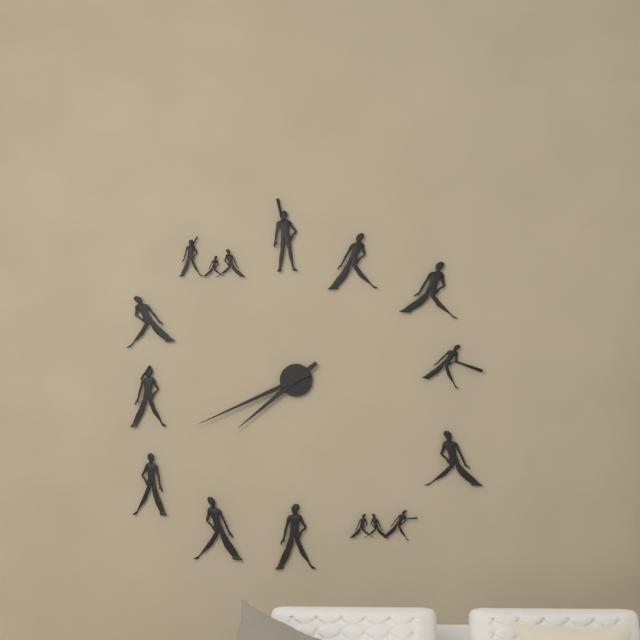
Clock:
7.41
